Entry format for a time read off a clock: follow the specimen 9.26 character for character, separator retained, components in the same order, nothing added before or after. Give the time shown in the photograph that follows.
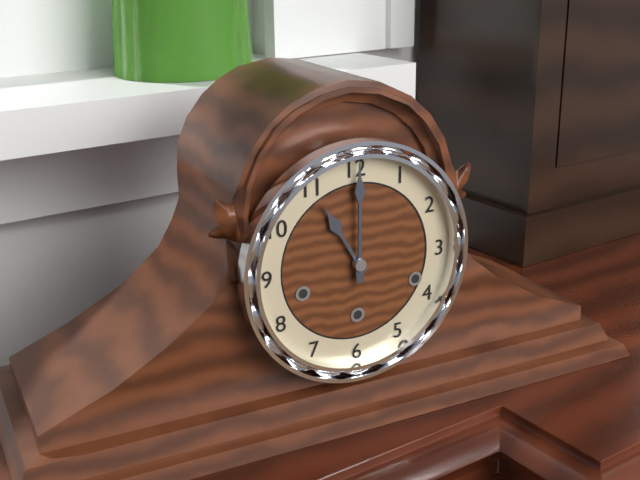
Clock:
11.00
